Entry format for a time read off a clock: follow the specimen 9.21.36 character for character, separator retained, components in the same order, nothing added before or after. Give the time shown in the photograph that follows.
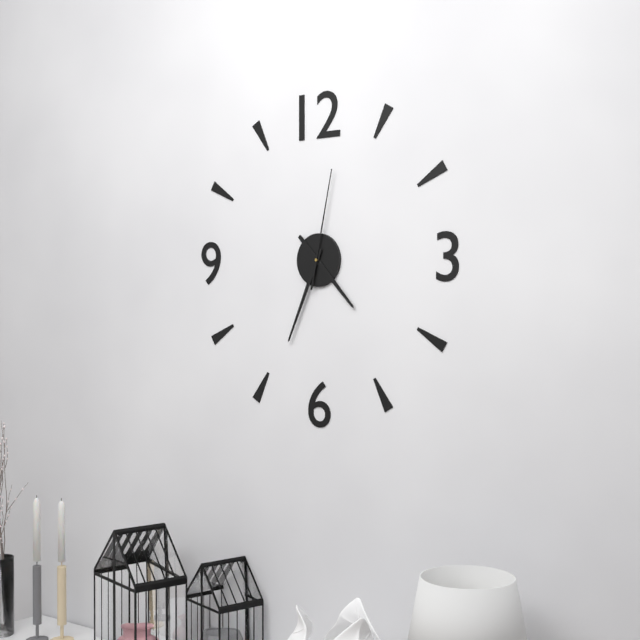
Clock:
4.34.02
